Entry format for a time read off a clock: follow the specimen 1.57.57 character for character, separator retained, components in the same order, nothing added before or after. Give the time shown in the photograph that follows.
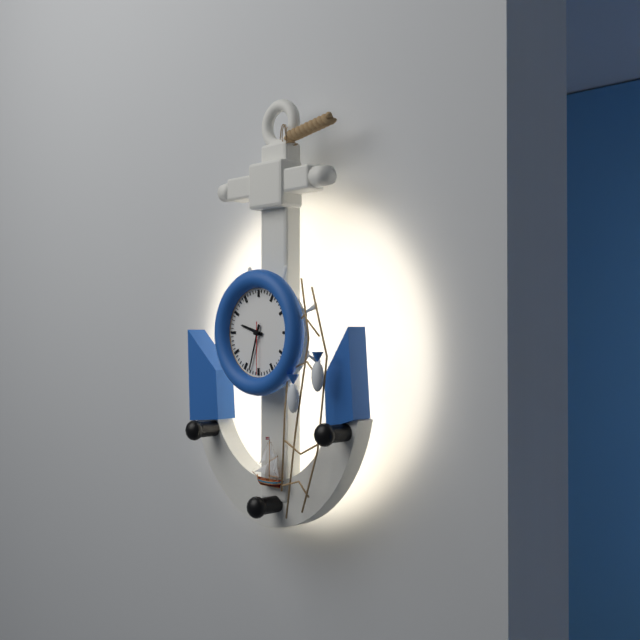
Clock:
9.33.30
